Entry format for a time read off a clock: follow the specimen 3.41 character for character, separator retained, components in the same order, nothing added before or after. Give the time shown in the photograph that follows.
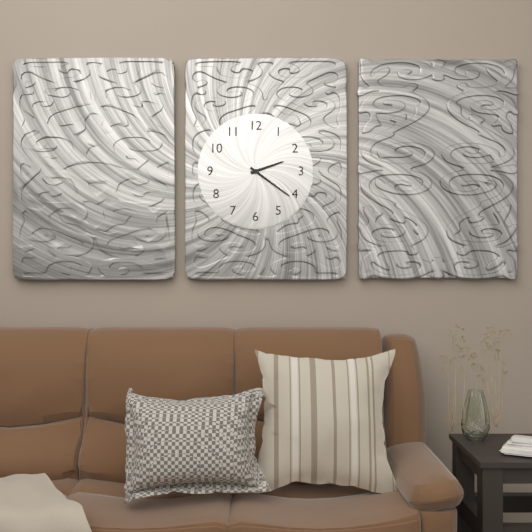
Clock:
2.21
